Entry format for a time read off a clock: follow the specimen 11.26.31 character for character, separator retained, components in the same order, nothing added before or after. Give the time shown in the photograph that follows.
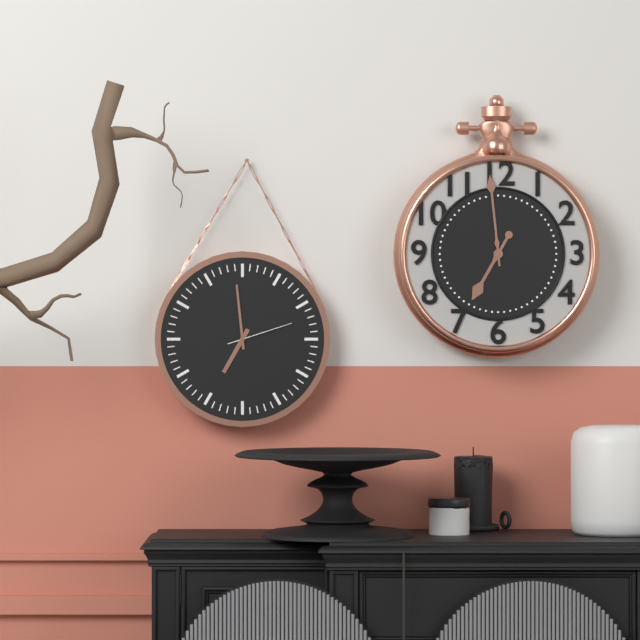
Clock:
6.59.12
